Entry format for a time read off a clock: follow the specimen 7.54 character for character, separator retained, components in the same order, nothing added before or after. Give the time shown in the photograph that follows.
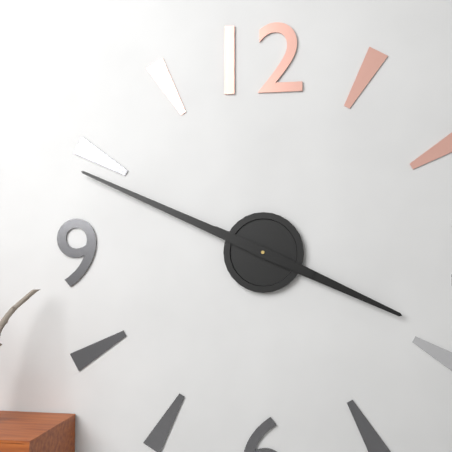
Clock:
3.49
